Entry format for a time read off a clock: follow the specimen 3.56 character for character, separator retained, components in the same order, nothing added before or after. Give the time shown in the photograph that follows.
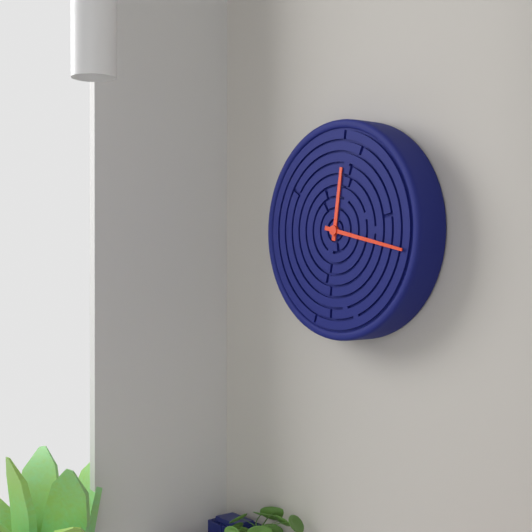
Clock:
12.17
